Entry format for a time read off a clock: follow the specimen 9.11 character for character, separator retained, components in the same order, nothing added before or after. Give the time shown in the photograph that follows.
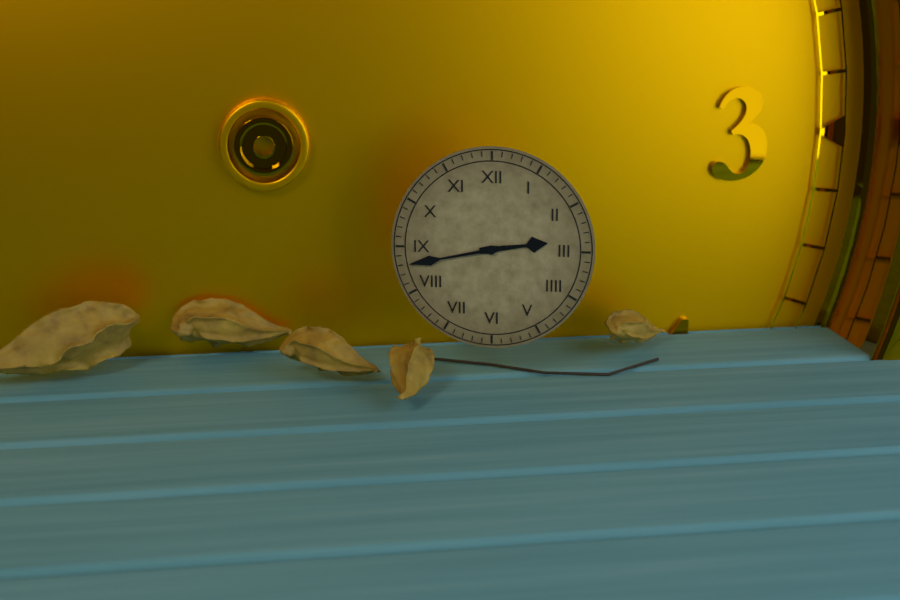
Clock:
2.43
